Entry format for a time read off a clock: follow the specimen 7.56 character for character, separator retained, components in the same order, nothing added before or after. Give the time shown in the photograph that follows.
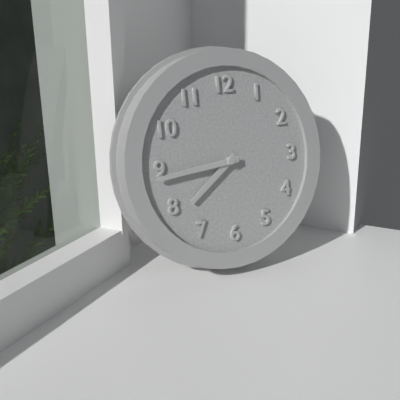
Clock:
7.44
